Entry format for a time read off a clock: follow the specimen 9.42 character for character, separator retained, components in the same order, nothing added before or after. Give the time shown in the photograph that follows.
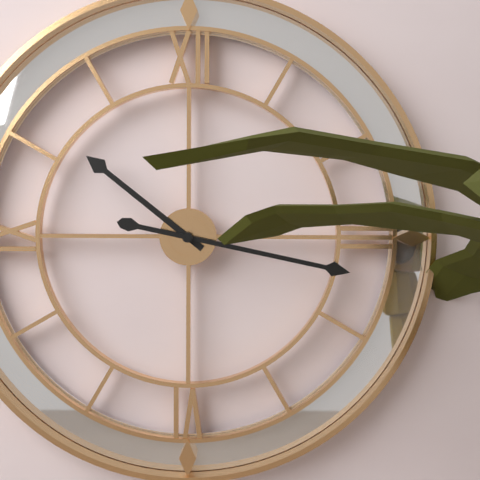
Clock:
10.17
